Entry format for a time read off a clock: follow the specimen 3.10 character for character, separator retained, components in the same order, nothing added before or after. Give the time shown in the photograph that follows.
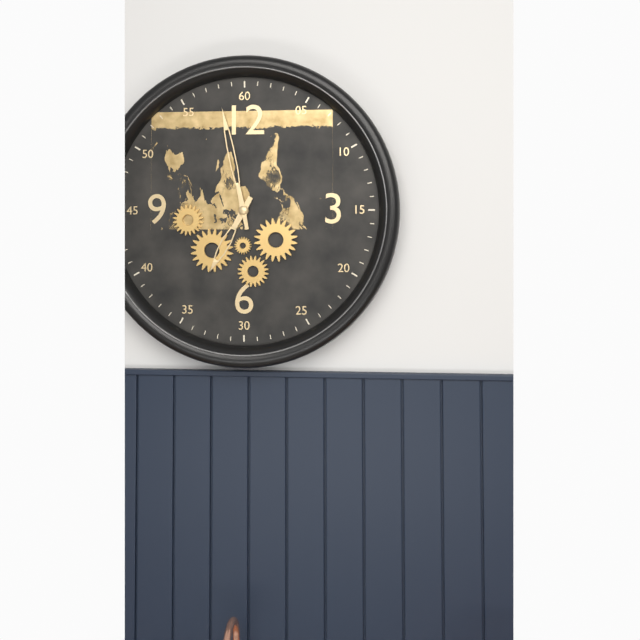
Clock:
6.58
